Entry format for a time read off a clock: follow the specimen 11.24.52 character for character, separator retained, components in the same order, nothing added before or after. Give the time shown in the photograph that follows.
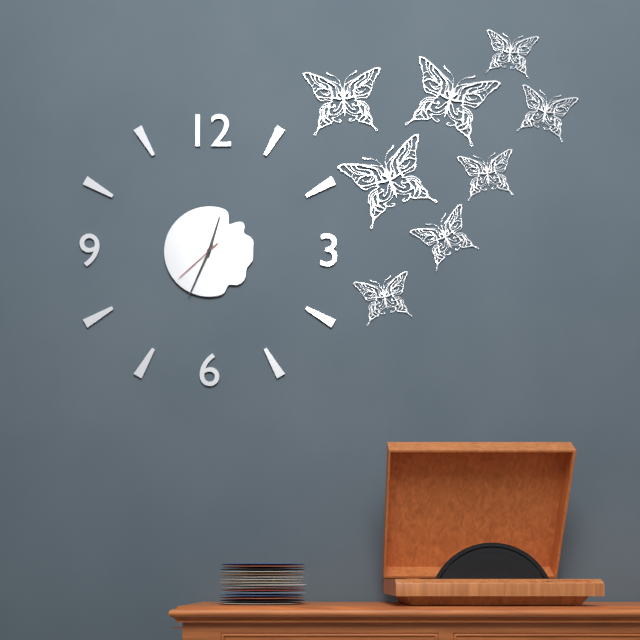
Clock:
12.34.38
